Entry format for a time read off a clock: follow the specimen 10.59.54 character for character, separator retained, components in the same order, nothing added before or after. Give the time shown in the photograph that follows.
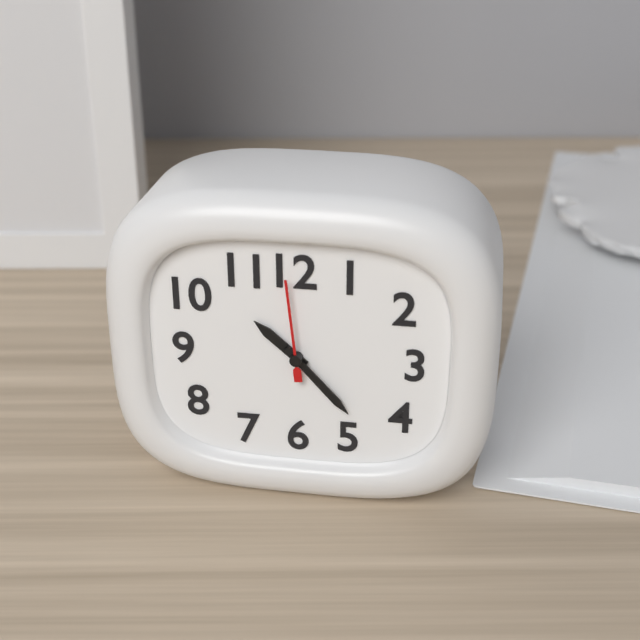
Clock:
10.23.59
